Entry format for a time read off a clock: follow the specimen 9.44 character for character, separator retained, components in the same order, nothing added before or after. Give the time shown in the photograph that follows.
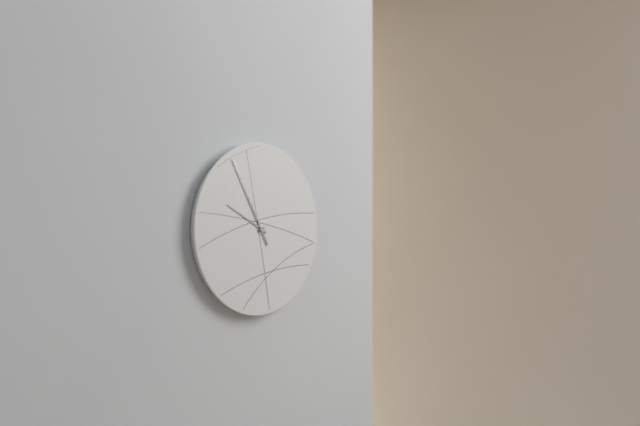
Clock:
9.55
